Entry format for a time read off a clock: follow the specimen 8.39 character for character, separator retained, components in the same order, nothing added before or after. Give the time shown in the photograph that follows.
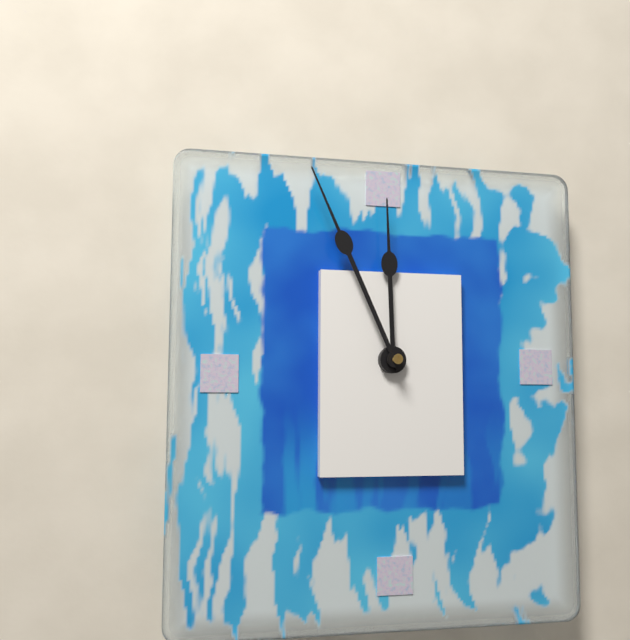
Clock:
11.56
